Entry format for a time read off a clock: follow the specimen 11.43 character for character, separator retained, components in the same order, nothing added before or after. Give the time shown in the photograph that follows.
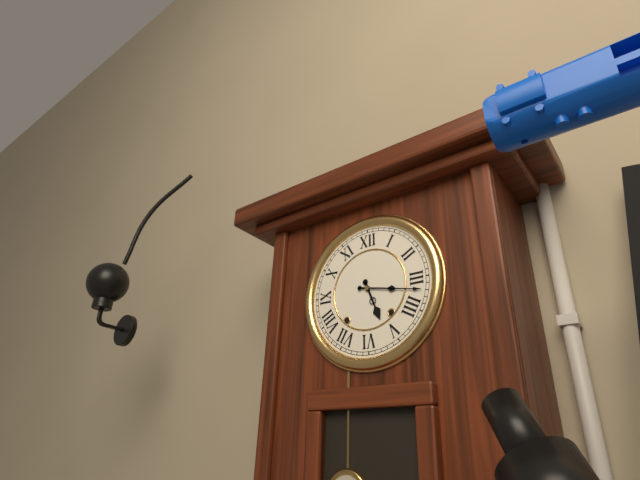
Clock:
5.17
